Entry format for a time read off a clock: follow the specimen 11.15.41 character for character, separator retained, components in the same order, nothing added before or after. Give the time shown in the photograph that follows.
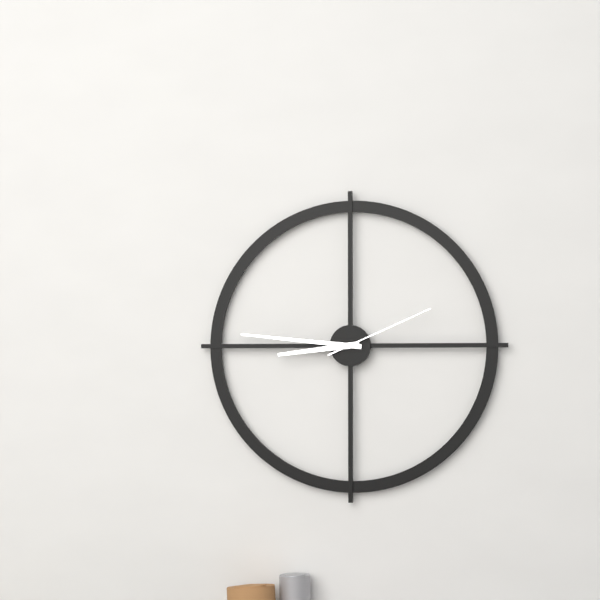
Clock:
8.46.11
